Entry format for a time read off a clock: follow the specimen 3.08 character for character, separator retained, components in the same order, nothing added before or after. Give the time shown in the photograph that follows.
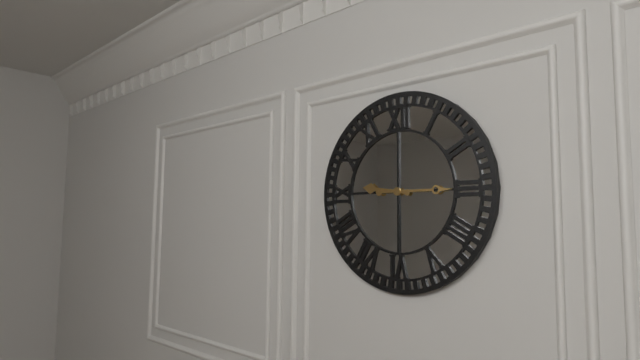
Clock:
9.15
